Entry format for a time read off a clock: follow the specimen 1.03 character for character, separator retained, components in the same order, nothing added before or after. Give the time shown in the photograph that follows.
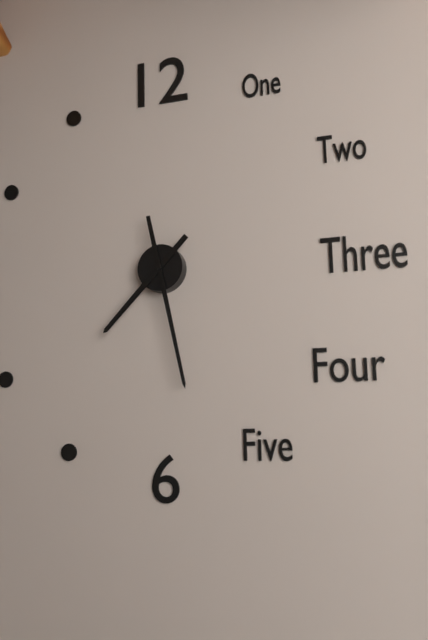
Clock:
7.28
